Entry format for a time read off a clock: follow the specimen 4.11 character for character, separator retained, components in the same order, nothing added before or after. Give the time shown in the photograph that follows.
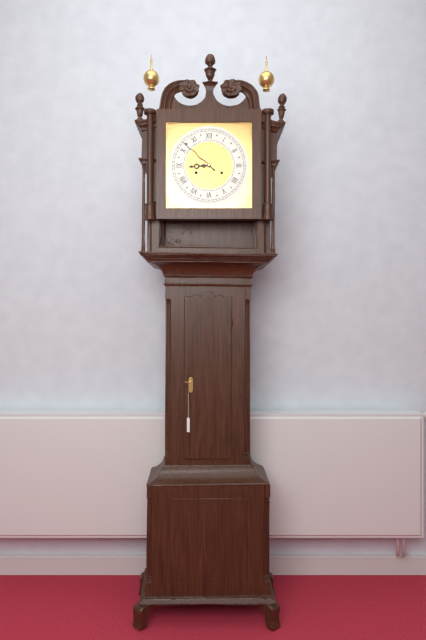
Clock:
8.52
